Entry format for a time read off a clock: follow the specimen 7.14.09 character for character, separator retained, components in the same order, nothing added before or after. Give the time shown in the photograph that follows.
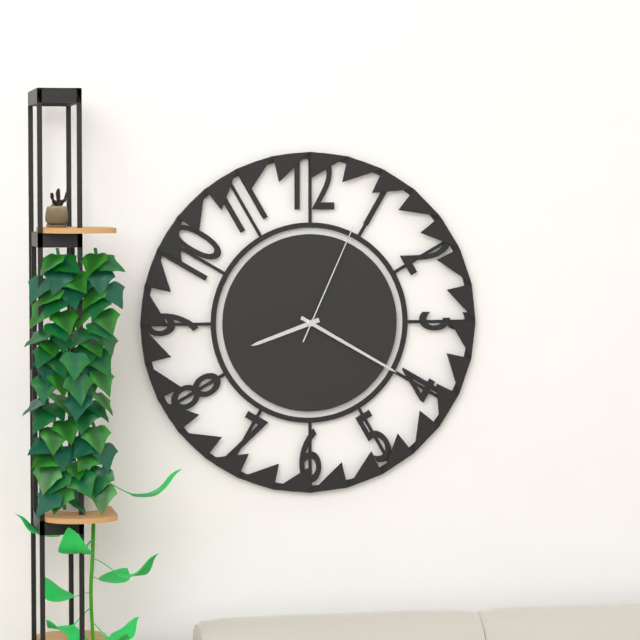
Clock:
8.20.04
